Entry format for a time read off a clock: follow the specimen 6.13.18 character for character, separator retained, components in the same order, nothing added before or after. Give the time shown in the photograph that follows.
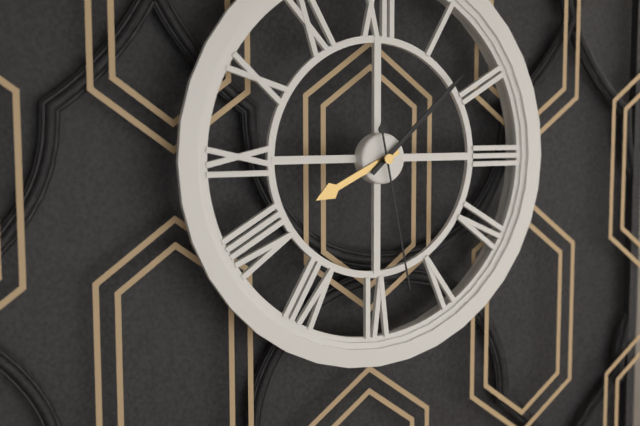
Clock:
8.08.28
